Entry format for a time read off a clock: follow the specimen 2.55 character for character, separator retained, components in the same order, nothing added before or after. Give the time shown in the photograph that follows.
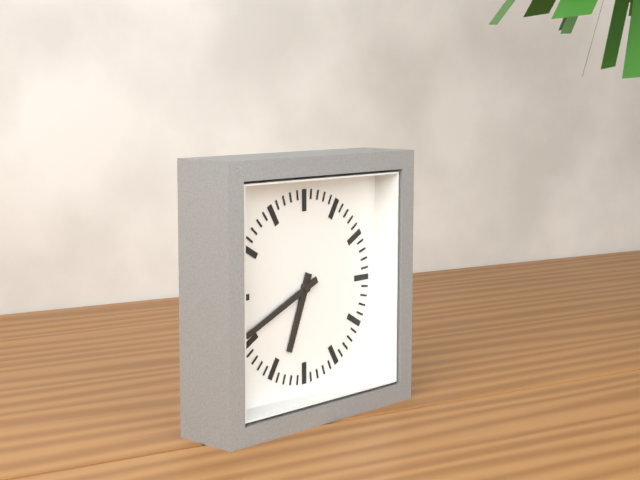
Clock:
6.41
